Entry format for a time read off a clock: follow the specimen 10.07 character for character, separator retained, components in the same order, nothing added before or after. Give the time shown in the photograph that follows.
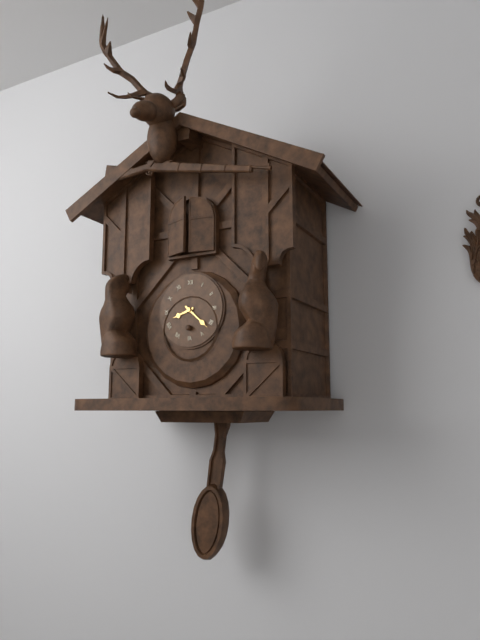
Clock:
8.22
